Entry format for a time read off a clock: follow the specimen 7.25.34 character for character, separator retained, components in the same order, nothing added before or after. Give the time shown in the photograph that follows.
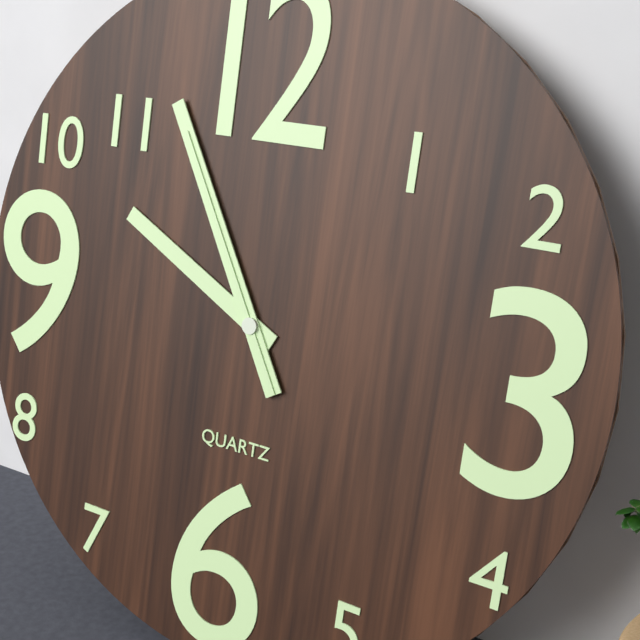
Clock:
9.55.55
